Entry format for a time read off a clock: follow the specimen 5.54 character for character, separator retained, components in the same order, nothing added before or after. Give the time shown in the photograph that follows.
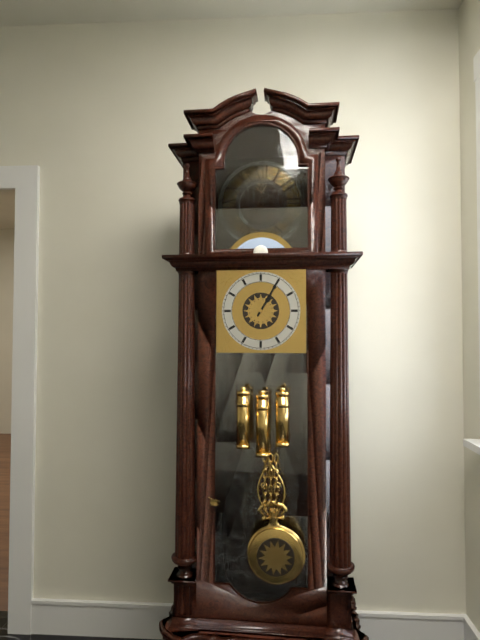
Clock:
1.05
